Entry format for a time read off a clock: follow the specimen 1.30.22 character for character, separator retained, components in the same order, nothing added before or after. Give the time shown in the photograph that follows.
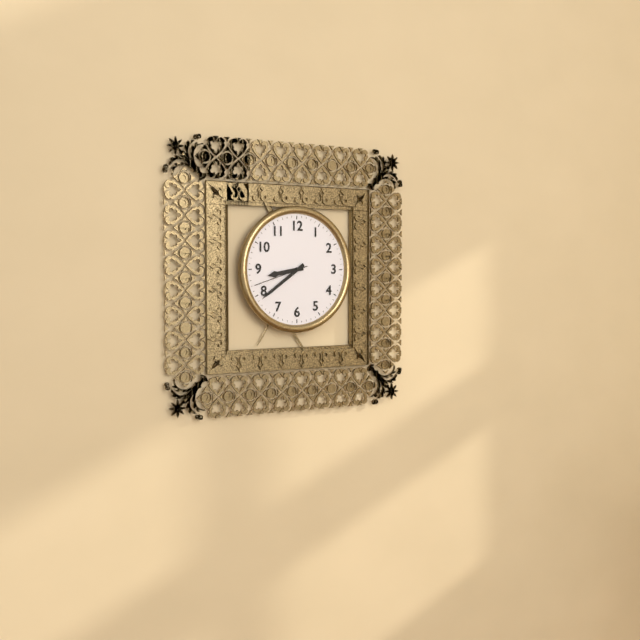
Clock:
8.39.42
